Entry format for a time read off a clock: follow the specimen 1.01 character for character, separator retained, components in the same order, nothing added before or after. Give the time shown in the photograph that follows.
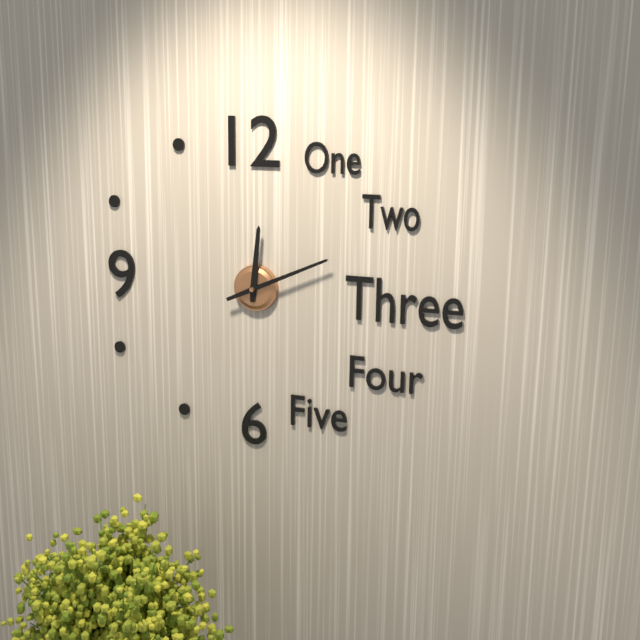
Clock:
12.11
